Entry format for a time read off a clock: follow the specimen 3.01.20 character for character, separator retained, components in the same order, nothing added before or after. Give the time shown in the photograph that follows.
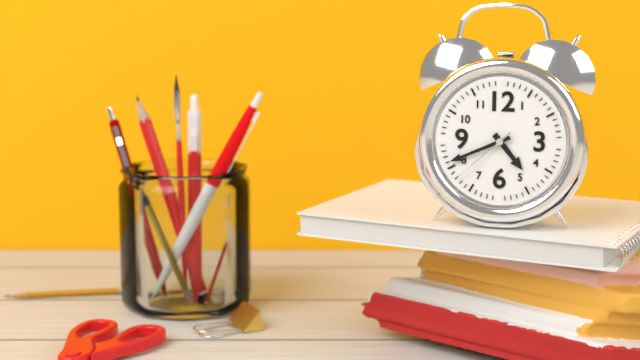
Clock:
4.41.38
